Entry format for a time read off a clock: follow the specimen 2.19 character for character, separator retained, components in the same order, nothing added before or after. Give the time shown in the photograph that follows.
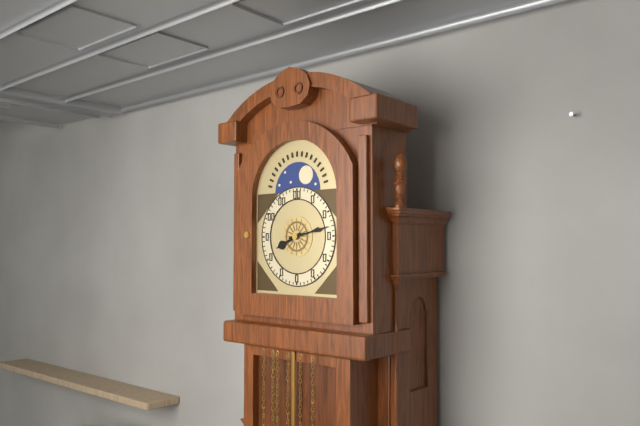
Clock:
8.13
